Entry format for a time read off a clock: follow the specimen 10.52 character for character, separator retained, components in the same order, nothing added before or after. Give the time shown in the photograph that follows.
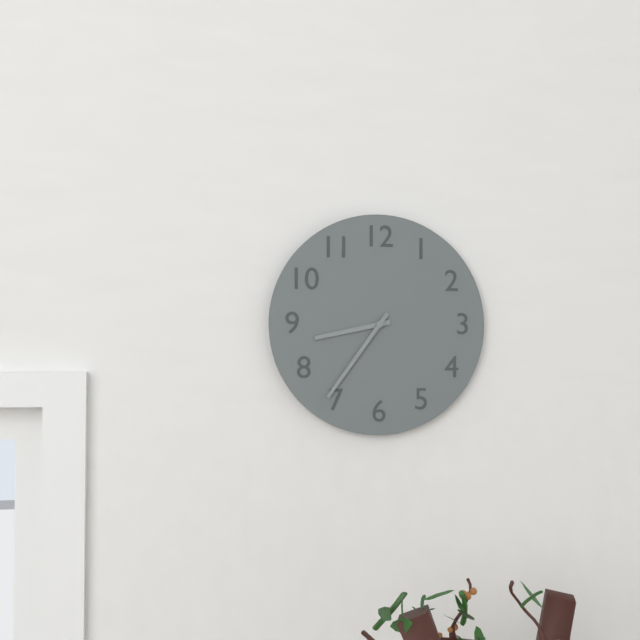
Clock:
8.36
